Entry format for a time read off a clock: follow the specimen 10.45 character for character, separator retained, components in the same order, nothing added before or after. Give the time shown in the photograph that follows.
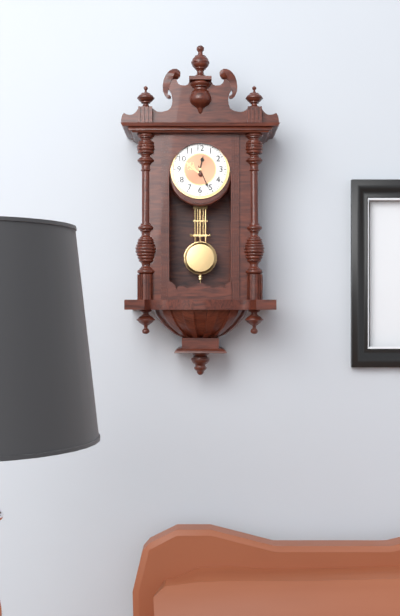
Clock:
12.26
